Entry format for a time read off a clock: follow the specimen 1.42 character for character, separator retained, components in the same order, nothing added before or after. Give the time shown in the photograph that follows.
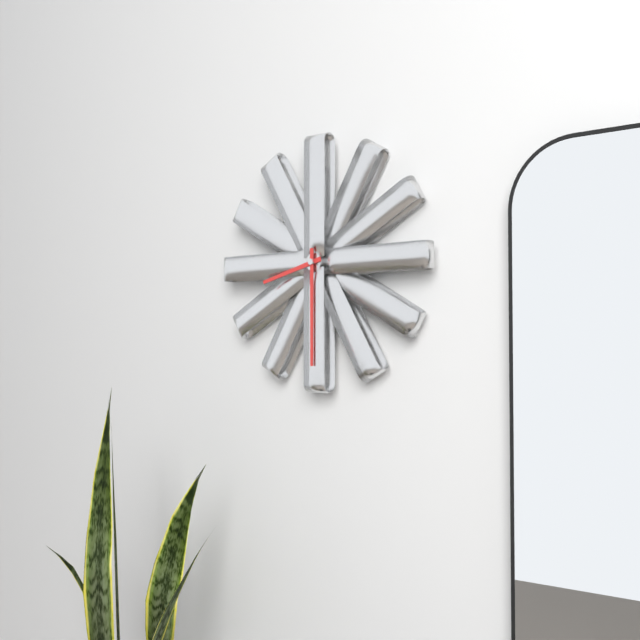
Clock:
8.30
